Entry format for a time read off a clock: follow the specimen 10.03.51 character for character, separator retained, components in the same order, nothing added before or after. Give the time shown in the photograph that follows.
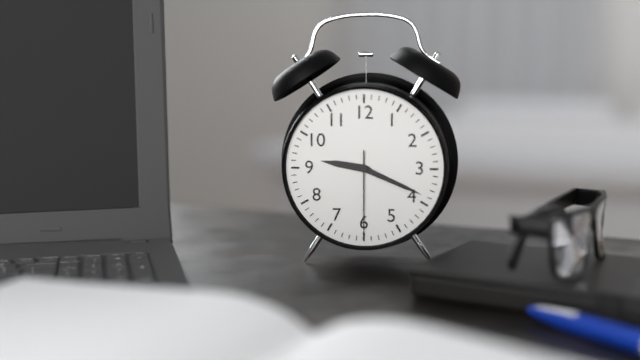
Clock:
9.19.30
